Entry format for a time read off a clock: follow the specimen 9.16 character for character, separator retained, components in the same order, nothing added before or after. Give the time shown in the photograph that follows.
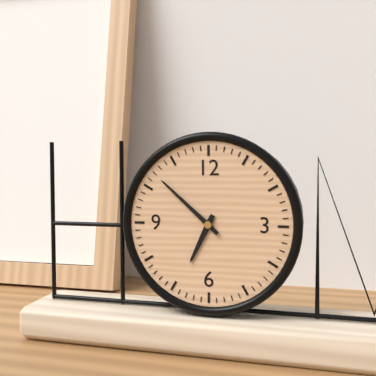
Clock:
6.52
